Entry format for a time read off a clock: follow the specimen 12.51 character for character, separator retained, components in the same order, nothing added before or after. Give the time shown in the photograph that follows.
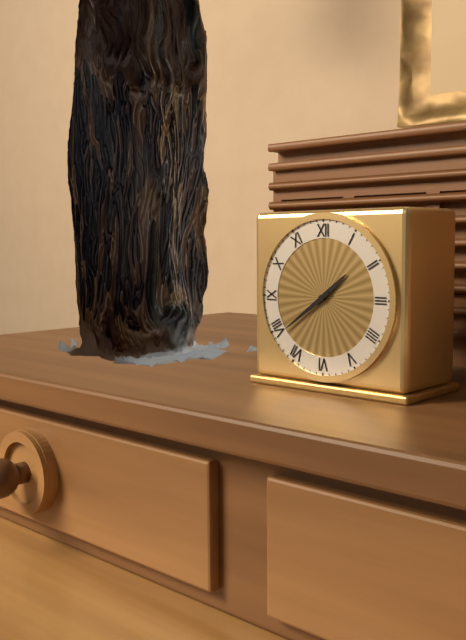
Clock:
1.39
